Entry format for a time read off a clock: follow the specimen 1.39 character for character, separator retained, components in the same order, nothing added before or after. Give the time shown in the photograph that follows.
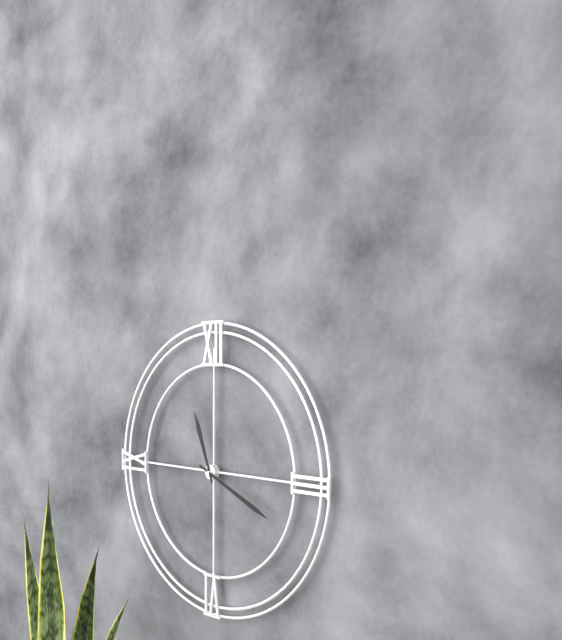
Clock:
11.19
